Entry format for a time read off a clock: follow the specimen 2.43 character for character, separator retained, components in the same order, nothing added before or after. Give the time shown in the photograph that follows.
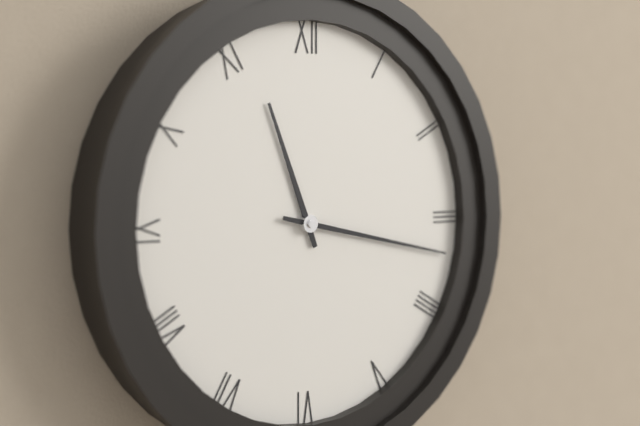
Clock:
11.17
